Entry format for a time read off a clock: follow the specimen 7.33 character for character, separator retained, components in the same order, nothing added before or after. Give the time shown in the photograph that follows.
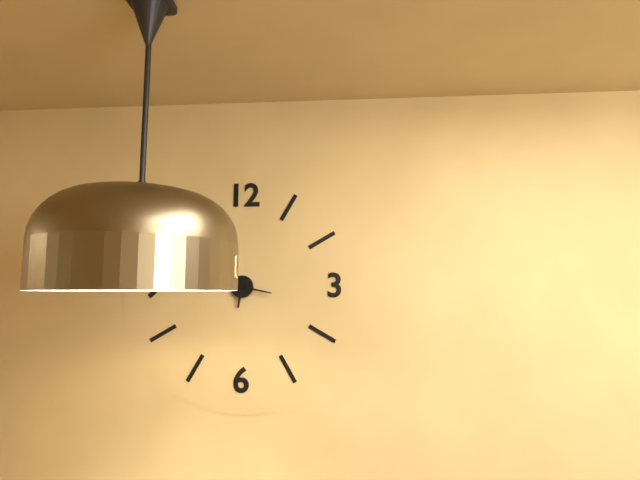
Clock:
6.17
